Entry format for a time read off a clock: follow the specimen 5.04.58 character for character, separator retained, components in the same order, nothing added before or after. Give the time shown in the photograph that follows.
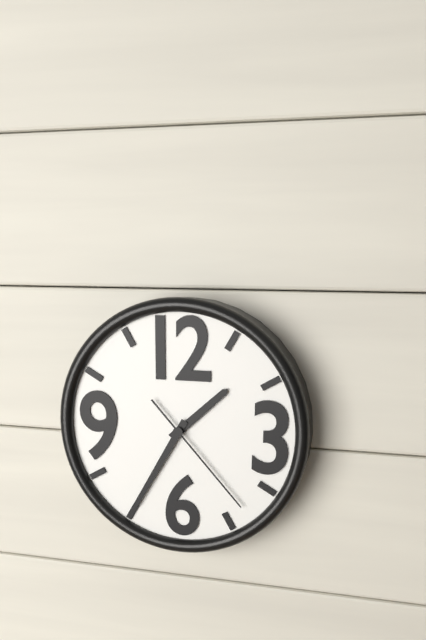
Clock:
1.35.23
